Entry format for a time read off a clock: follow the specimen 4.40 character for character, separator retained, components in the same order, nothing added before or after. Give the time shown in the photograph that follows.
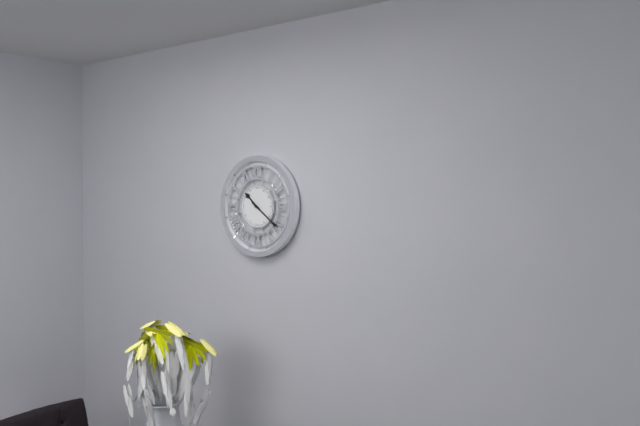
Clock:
10.21
